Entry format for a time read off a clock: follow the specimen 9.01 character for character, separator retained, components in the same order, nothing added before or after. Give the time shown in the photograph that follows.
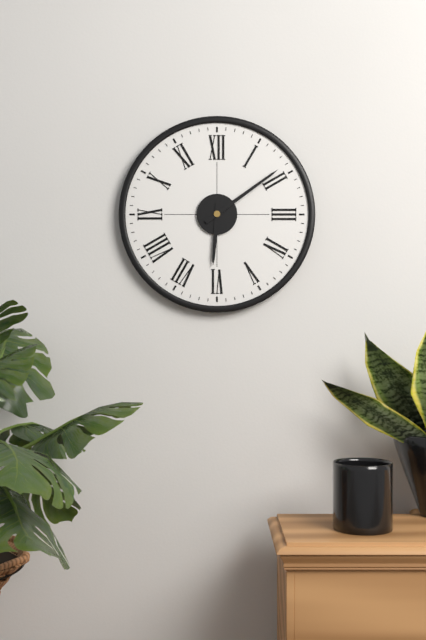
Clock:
6.09
